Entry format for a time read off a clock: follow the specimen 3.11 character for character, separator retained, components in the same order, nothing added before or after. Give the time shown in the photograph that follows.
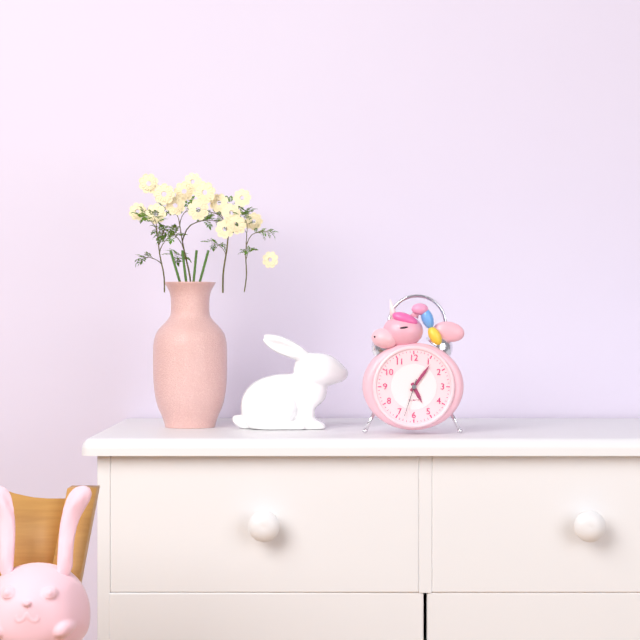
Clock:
5.06
